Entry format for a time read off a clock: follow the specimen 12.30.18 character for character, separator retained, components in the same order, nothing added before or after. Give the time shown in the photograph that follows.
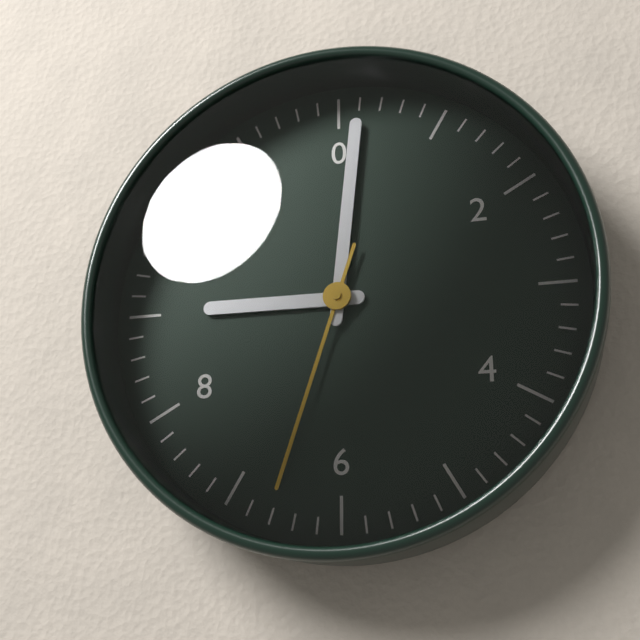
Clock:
9.01.33
